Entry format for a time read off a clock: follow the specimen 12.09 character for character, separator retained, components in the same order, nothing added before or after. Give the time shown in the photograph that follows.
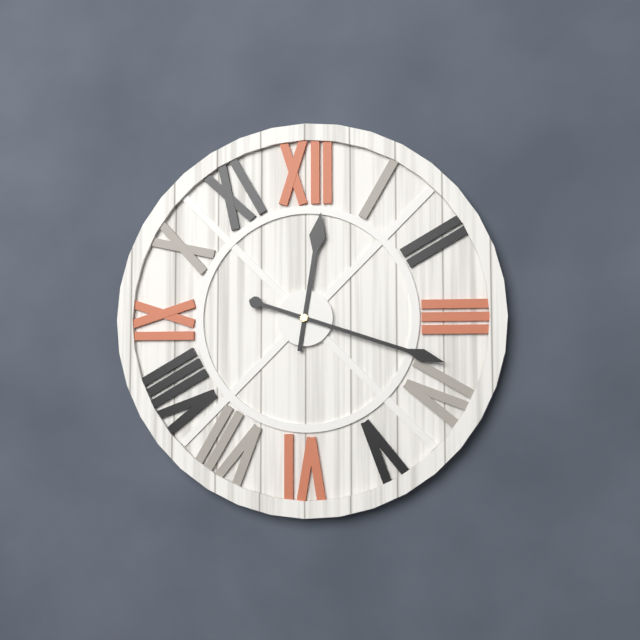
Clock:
12.18
